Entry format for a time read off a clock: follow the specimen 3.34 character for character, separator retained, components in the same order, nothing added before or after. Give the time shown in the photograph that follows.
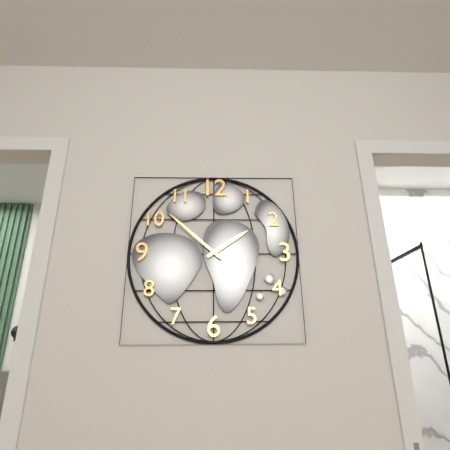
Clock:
1.52
